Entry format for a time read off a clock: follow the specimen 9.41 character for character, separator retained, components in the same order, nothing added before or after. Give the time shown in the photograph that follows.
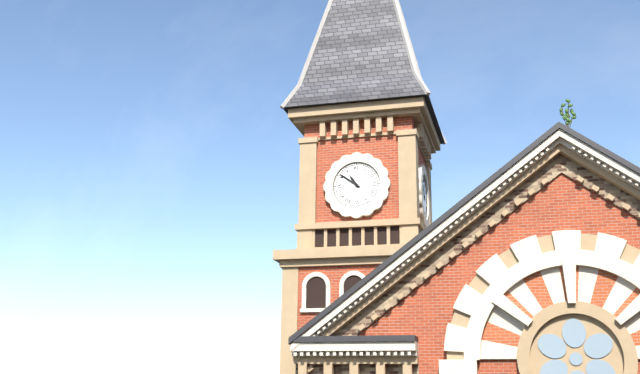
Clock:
10.51
